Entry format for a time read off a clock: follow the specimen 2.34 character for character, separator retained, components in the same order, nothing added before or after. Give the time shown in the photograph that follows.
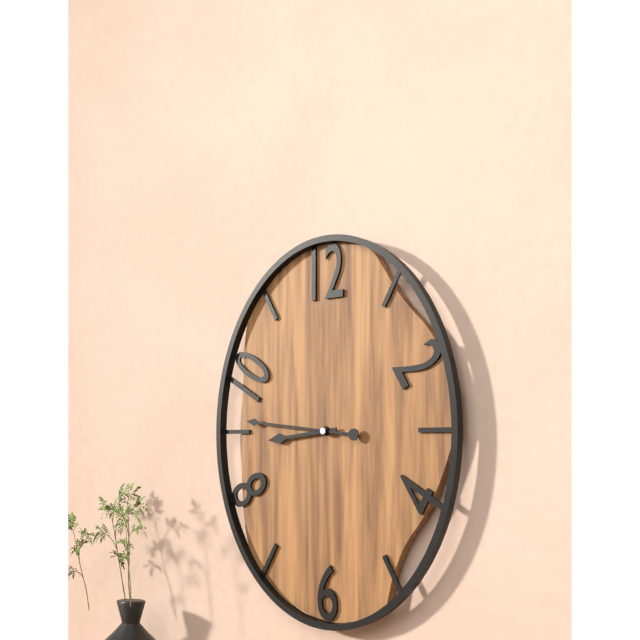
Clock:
8.46
